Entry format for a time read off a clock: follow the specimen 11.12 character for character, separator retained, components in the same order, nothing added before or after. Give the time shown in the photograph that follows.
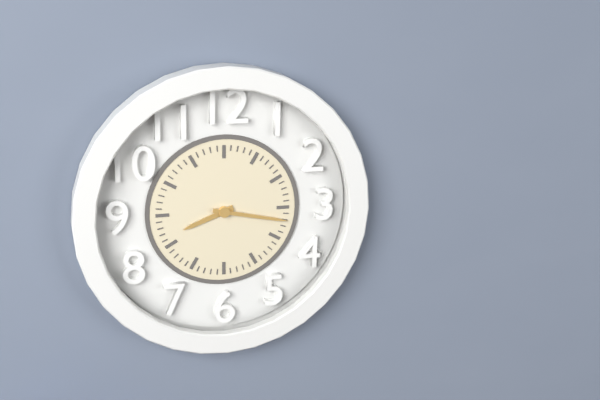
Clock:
8.17
